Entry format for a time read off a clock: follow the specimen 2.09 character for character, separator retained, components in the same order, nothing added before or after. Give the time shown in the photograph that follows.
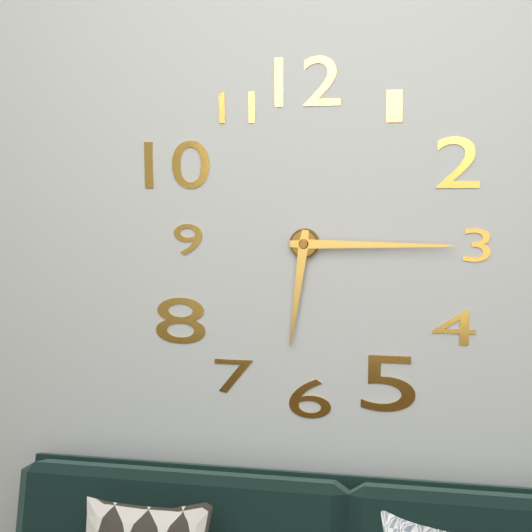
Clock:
6.15
